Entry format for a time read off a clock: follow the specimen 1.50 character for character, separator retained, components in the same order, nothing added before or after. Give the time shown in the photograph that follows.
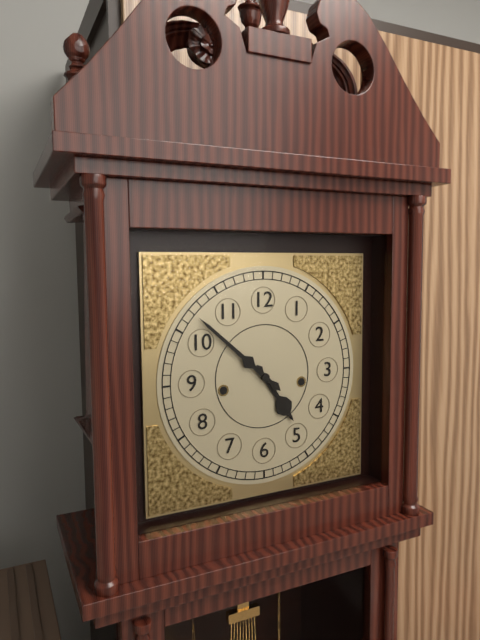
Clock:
4.52
